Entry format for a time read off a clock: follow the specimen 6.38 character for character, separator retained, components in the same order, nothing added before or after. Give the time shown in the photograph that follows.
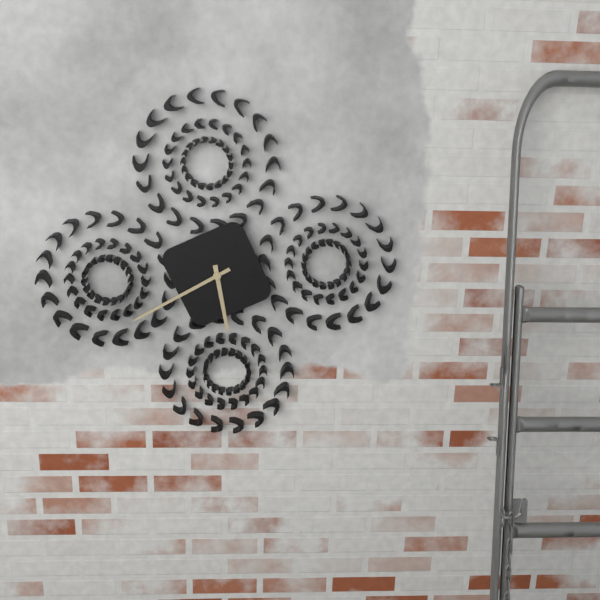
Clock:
5.40
